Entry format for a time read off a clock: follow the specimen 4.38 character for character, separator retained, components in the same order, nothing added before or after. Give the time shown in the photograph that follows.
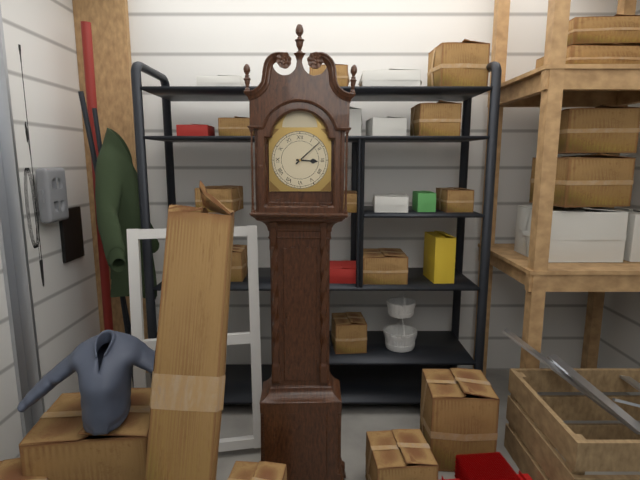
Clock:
3.08
